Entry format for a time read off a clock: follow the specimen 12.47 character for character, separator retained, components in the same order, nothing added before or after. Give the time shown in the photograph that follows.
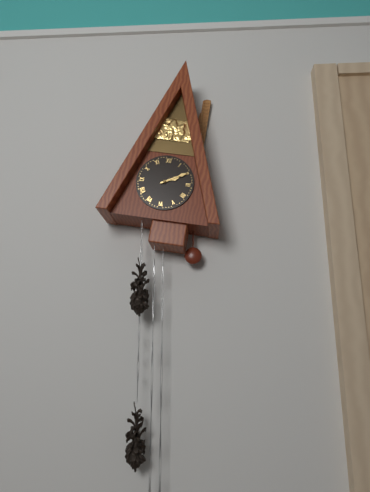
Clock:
2.10
